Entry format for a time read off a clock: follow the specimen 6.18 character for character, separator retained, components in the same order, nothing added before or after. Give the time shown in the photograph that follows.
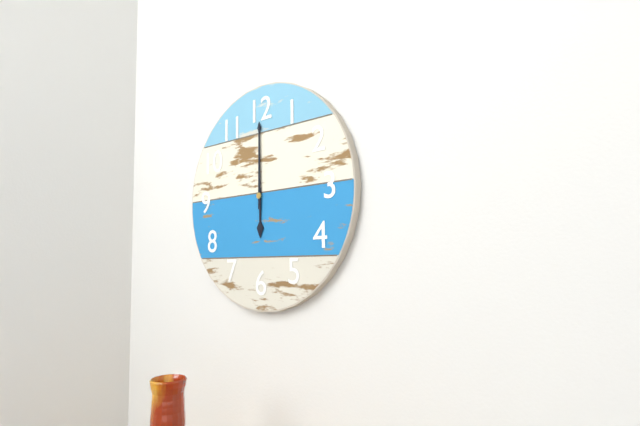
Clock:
6.00
